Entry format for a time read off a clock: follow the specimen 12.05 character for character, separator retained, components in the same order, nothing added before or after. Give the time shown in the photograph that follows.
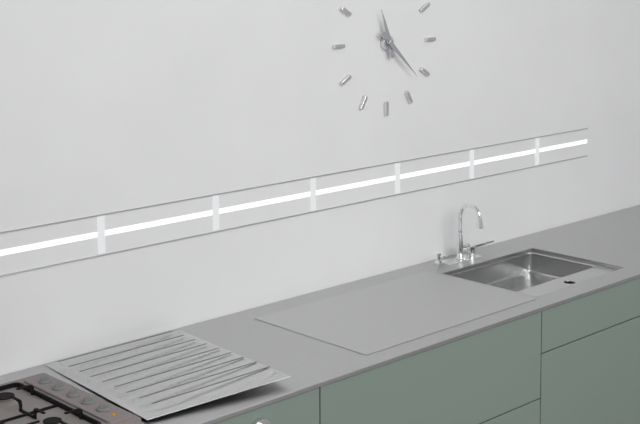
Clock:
11.22
